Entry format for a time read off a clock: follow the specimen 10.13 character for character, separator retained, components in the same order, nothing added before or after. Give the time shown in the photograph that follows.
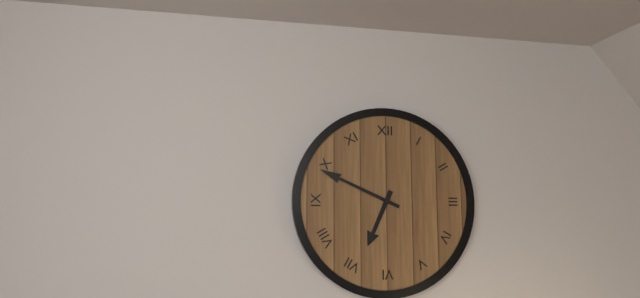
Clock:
6.49
